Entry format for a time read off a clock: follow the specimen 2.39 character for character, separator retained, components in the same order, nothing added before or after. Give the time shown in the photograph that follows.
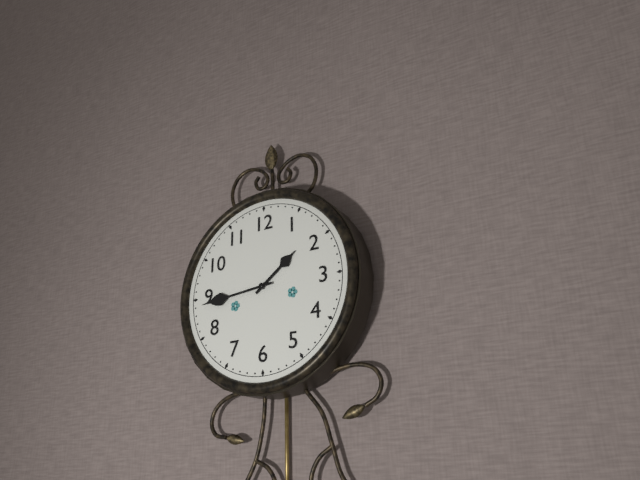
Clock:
1.44
